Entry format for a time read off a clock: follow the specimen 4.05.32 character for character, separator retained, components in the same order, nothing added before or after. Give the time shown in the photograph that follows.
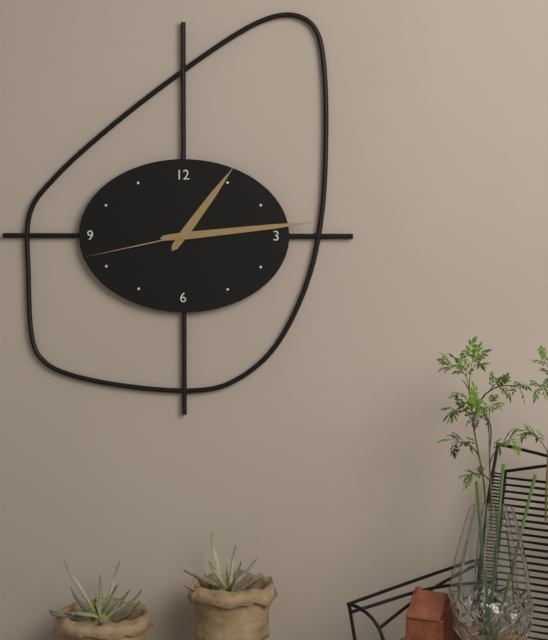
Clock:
1.14.43
